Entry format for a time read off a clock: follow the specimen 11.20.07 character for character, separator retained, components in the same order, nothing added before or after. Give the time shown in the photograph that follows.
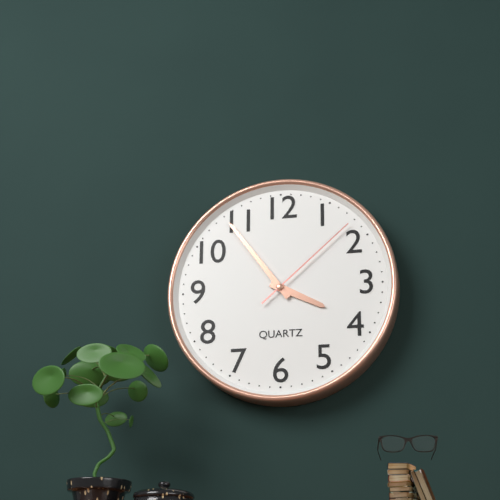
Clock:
3.54.08
